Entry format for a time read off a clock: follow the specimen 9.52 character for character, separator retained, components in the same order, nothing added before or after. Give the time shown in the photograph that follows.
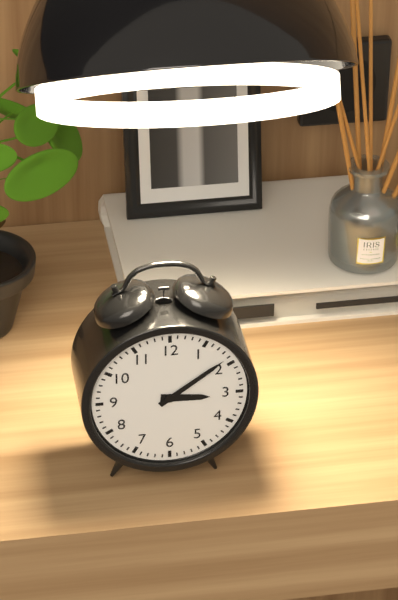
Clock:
3.09
